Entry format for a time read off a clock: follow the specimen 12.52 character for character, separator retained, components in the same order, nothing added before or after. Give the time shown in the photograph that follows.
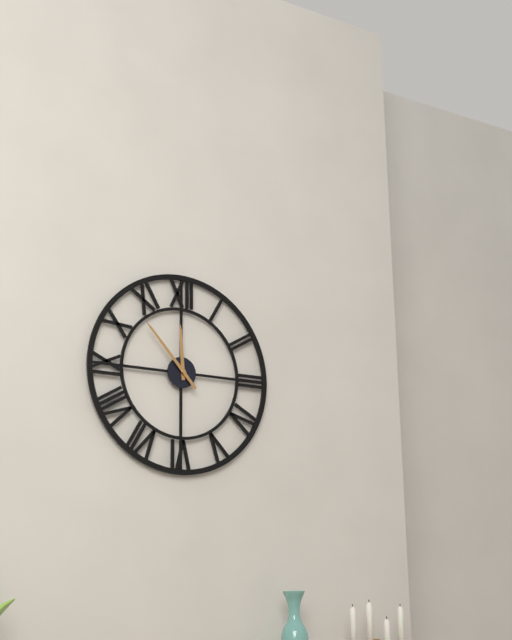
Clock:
11.53
